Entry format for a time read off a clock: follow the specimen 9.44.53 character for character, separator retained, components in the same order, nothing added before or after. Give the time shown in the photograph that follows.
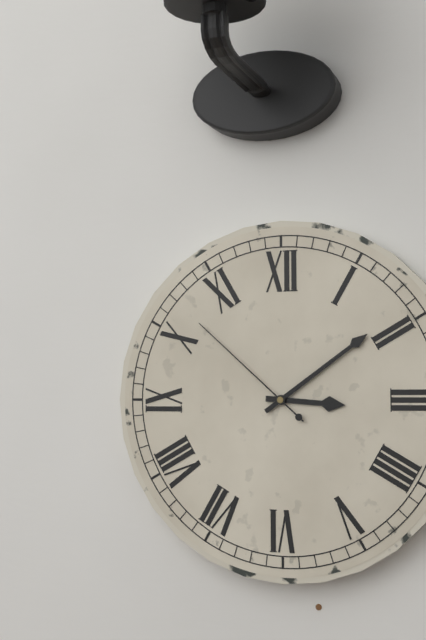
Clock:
3.09.52
